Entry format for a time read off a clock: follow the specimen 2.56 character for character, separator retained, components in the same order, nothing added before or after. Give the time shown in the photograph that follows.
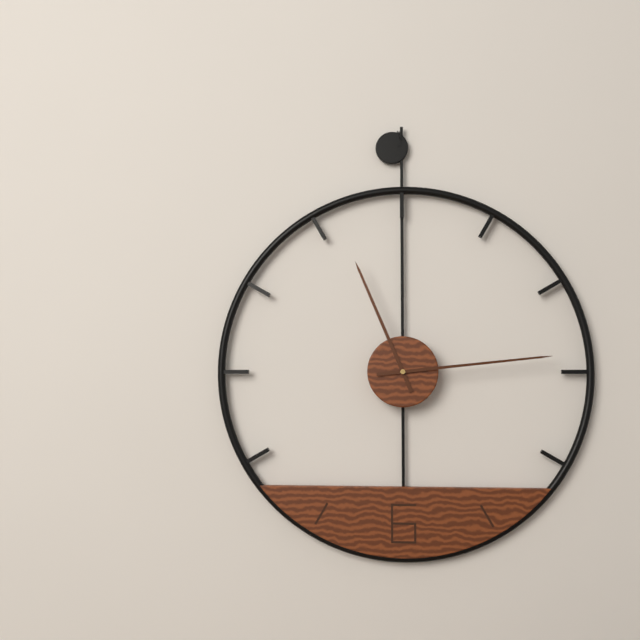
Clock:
11.14
